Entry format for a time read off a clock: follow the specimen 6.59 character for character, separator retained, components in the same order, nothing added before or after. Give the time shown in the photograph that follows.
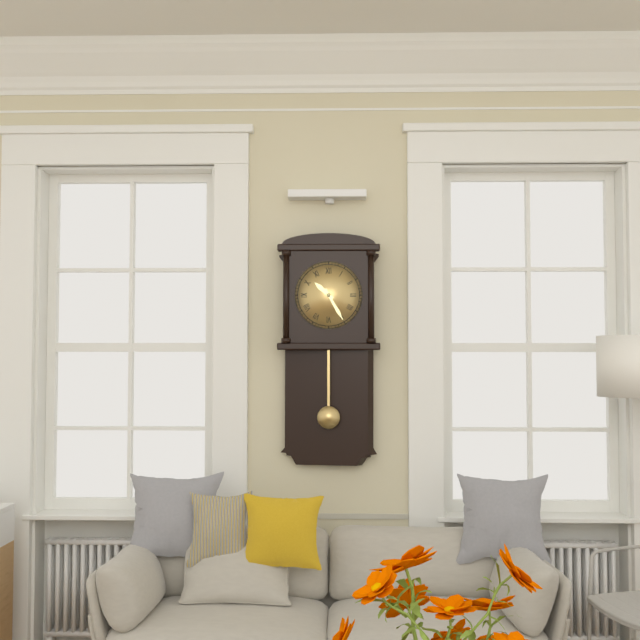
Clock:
10.25
